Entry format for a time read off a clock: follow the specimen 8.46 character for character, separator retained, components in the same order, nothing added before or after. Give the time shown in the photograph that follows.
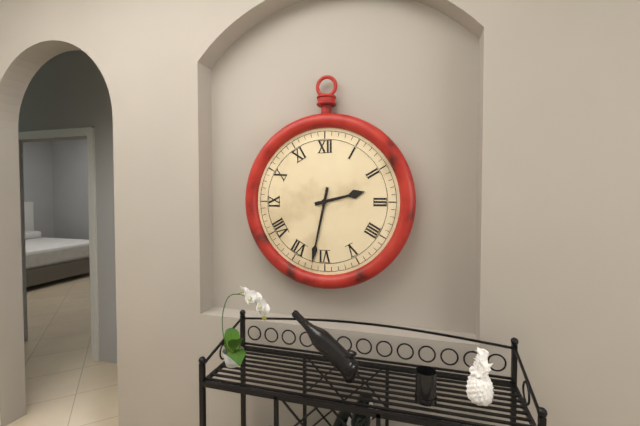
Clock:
2.32
